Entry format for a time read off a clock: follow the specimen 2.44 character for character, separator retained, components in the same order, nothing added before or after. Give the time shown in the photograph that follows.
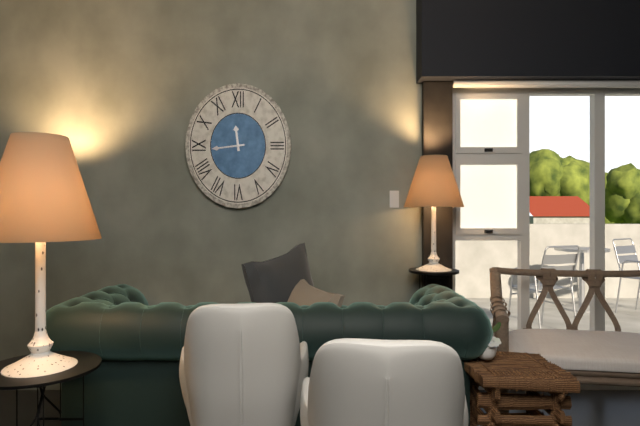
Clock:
11.44
